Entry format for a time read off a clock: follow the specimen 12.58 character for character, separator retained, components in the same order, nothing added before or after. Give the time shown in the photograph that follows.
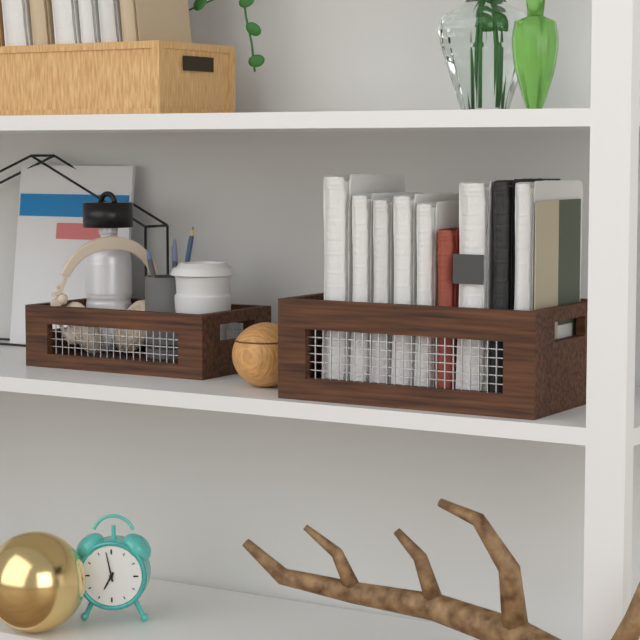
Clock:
6.58
